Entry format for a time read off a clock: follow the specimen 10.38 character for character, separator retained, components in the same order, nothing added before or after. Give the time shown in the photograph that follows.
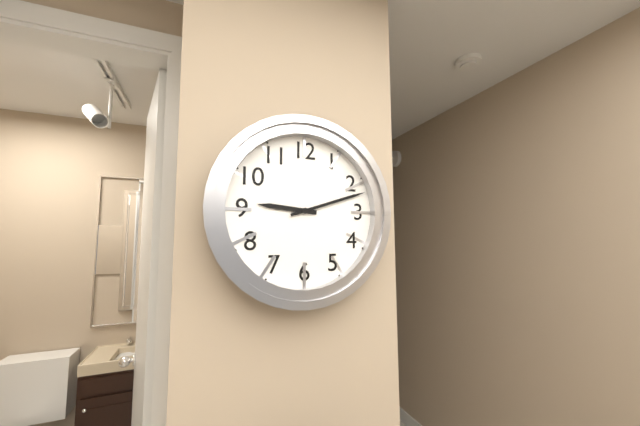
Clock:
9.12
